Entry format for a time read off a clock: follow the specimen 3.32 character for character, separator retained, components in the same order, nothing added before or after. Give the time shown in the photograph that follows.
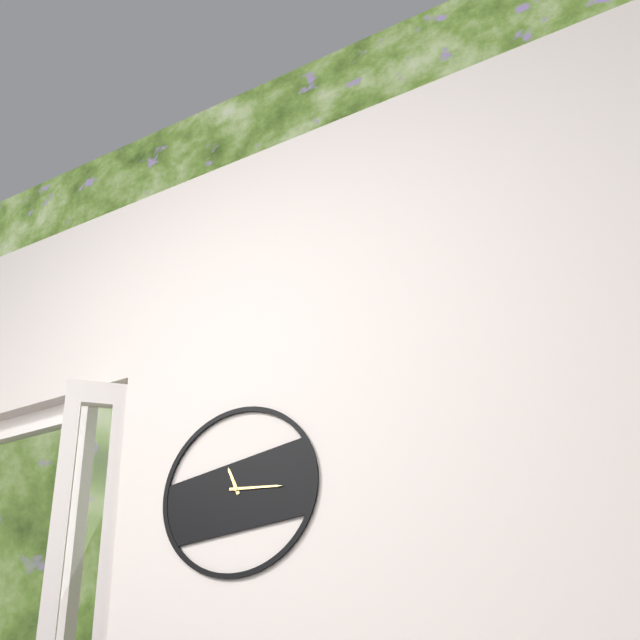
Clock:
11.16
